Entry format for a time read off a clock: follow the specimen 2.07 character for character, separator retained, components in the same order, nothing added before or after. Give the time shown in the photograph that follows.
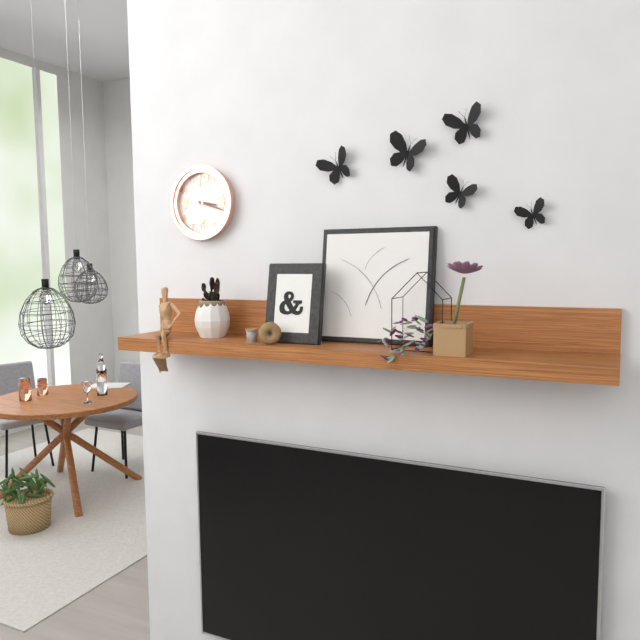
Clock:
3.18
